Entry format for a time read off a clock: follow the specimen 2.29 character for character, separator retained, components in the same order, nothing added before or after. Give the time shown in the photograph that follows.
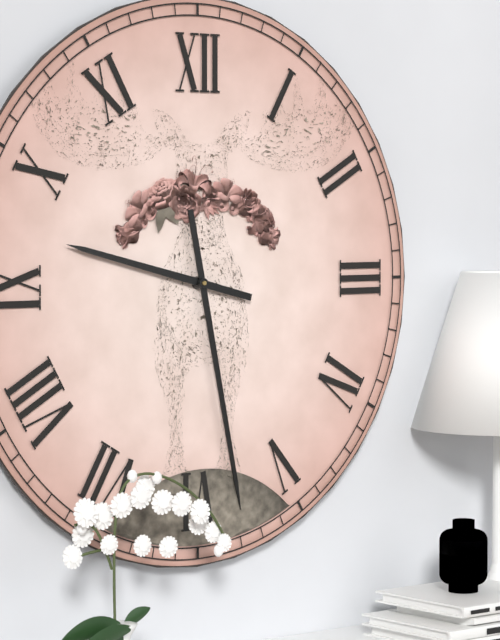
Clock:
9.28
